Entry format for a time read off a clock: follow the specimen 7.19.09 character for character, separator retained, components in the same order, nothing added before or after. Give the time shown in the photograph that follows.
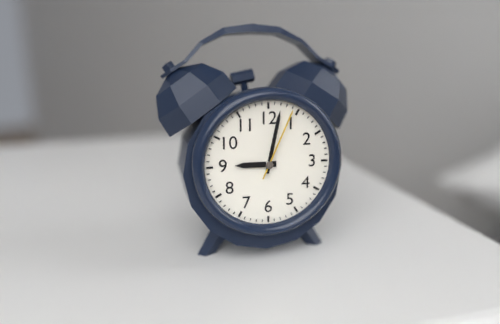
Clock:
9.02.04
